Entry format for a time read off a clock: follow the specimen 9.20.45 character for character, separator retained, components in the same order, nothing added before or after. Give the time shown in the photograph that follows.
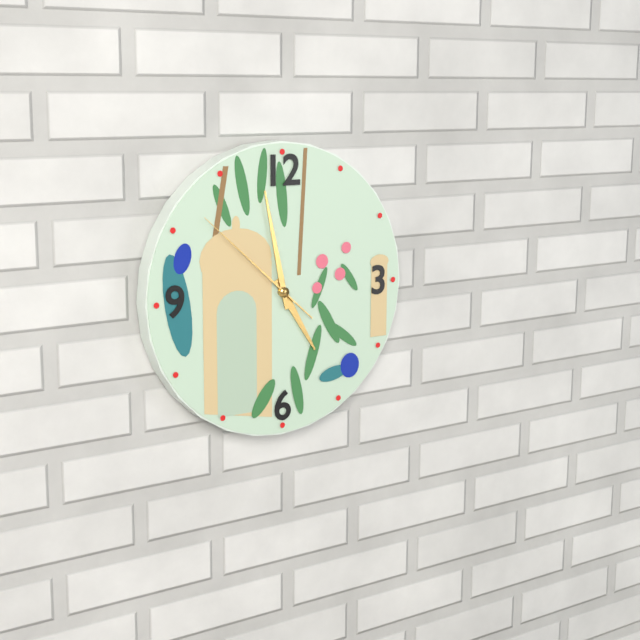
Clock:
4.58.52
